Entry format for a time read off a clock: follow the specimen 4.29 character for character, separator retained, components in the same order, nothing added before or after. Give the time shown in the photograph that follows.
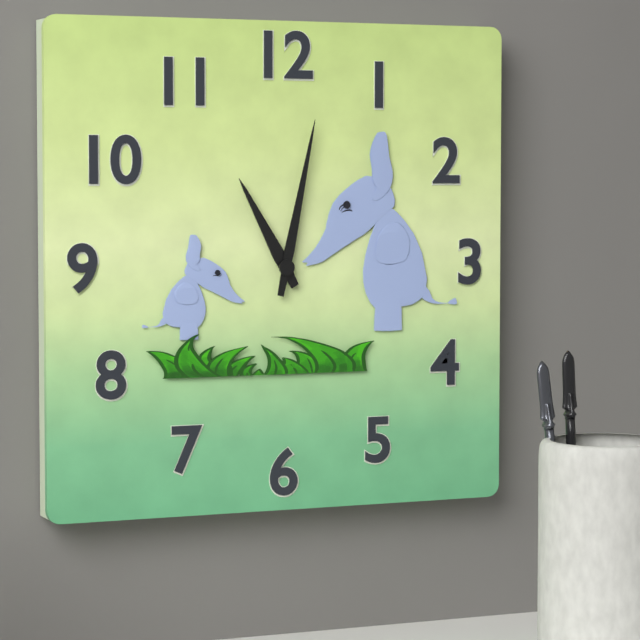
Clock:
11.02
